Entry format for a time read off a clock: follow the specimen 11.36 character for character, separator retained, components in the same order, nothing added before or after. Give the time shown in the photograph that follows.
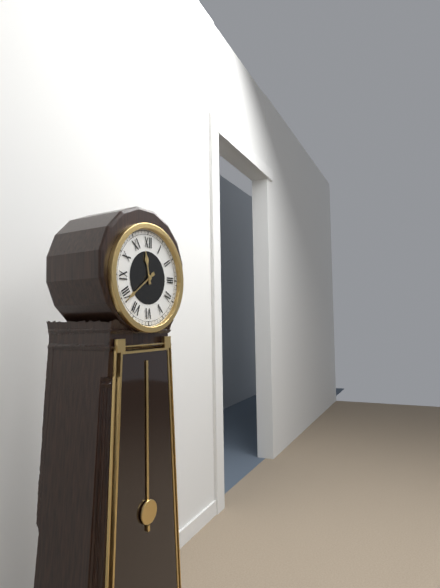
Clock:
11.39
